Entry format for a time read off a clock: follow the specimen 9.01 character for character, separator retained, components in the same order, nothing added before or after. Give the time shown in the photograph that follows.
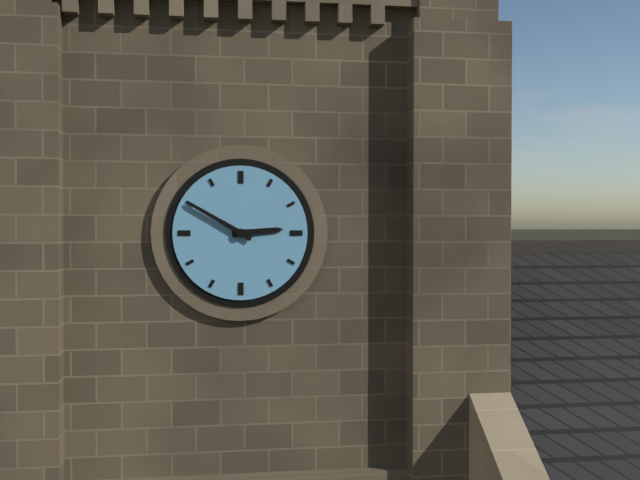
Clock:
2.50
